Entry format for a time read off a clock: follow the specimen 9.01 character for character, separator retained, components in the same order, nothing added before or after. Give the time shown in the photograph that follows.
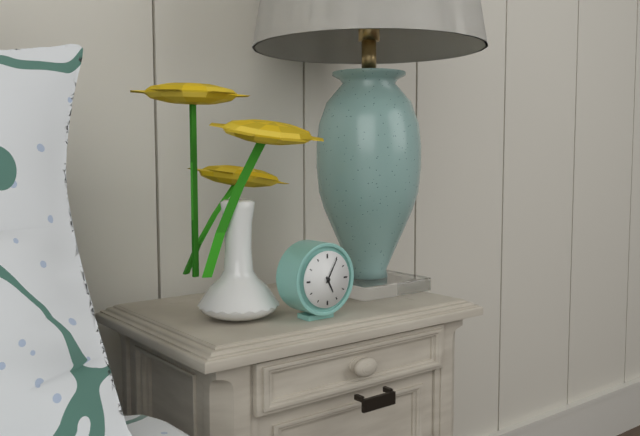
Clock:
5.05
